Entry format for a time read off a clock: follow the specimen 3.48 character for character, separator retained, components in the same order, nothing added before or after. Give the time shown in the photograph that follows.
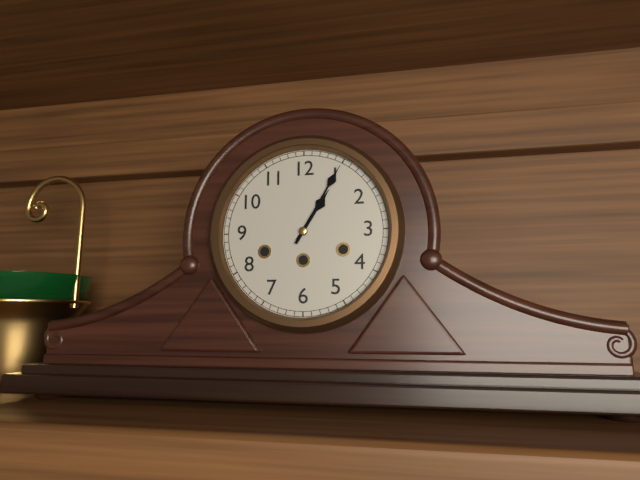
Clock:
1.05
